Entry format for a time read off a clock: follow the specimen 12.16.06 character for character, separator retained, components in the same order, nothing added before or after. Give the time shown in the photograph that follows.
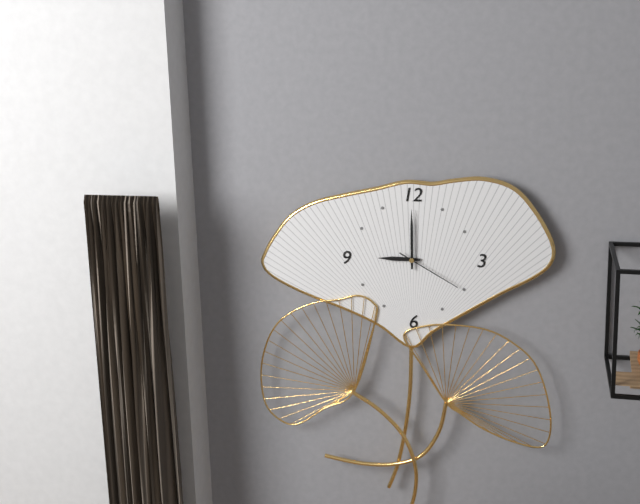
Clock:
9.00.20
